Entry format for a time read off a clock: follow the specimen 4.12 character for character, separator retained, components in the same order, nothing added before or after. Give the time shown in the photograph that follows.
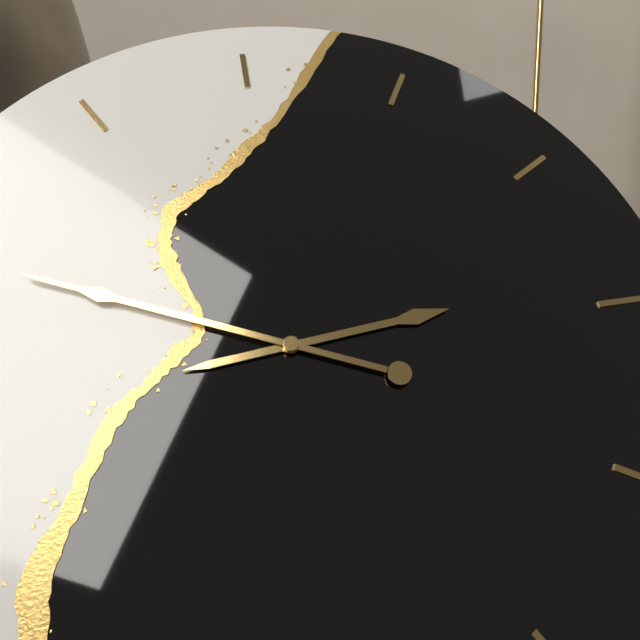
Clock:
2.49
